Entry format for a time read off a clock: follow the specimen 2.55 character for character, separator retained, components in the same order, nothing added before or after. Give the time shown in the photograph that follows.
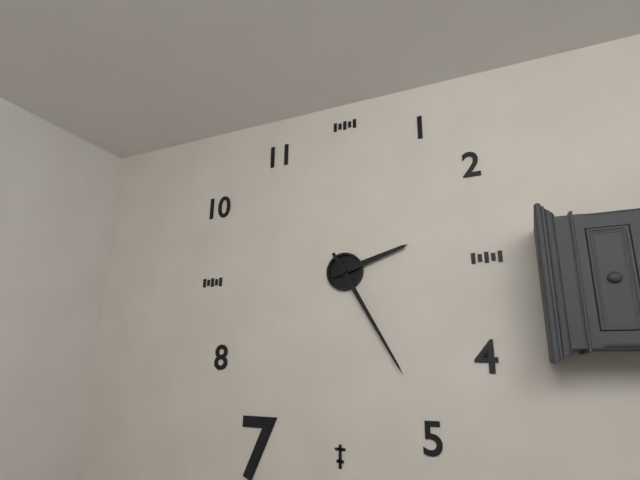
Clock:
2.25
